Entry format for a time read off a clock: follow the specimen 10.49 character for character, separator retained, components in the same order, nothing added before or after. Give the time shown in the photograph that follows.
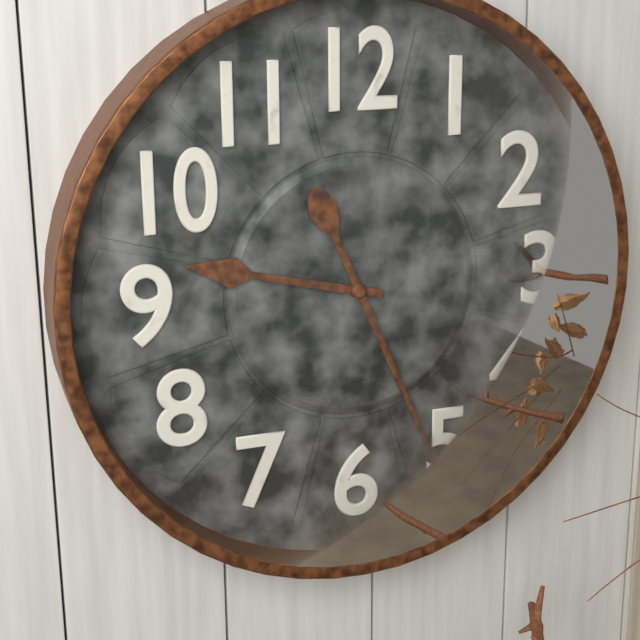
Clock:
9.26
